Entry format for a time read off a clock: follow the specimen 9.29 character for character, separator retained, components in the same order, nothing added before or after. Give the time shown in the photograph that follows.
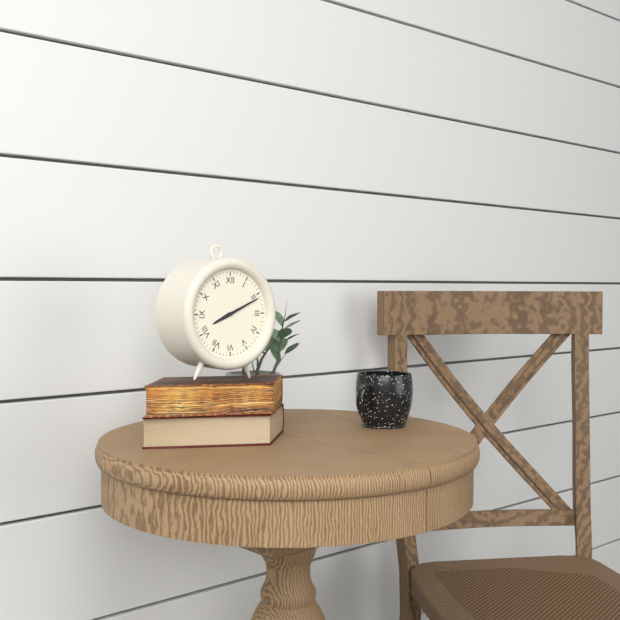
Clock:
8.11
